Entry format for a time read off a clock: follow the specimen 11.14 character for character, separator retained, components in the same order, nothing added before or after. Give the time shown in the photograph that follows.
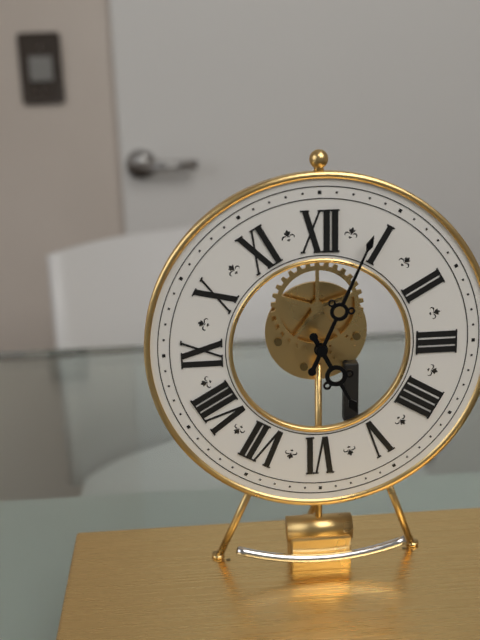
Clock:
5.04
